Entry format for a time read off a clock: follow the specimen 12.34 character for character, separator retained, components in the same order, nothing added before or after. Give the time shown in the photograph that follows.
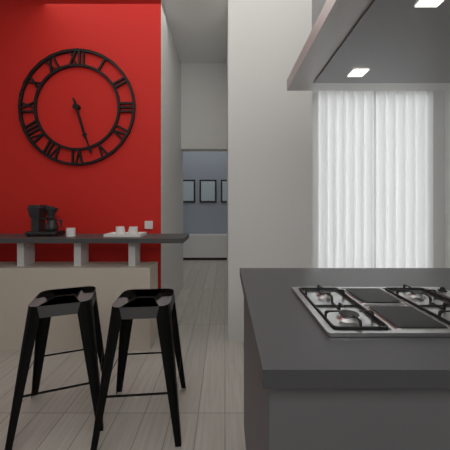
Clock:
5.27
